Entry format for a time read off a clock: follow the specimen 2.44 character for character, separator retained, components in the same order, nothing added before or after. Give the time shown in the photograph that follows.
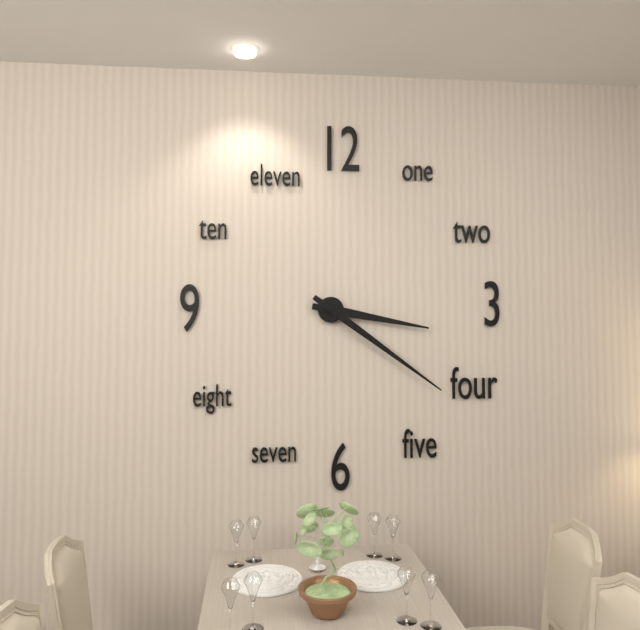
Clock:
3.21
